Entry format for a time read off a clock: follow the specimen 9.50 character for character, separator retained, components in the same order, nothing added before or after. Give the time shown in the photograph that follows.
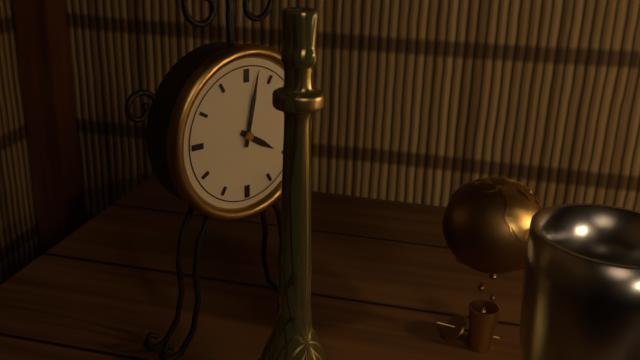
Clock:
4.02
